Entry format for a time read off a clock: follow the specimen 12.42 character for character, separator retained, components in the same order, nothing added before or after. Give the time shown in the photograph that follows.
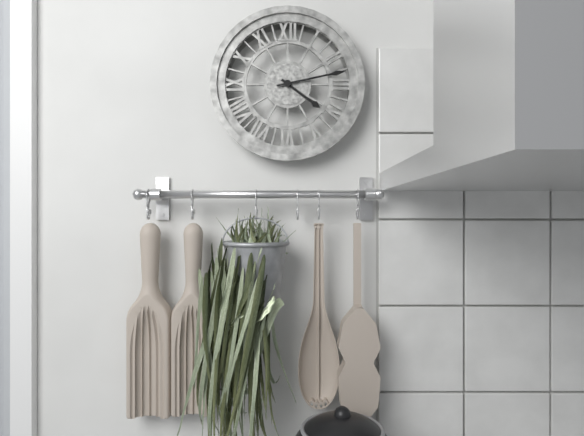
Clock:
4.13
